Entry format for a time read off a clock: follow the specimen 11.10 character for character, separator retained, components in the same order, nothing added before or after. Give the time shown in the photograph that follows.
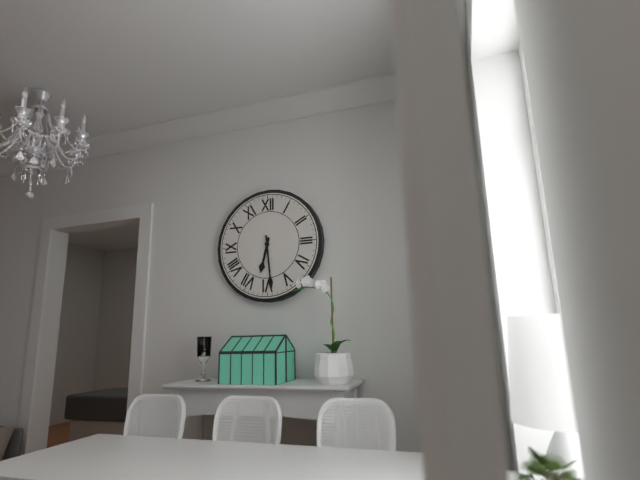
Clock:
6.29
